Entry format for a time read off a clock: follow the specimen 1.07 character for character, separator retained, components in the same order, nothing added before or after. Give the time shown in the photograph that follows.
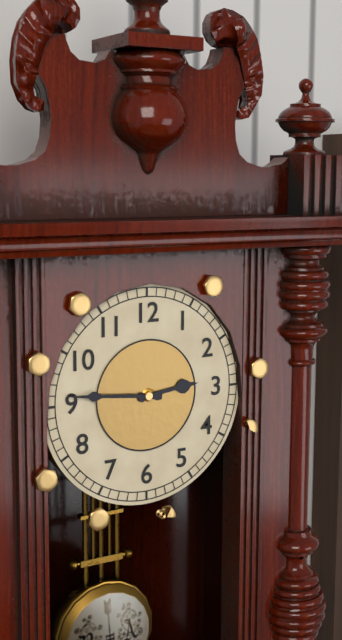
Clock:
2.46
